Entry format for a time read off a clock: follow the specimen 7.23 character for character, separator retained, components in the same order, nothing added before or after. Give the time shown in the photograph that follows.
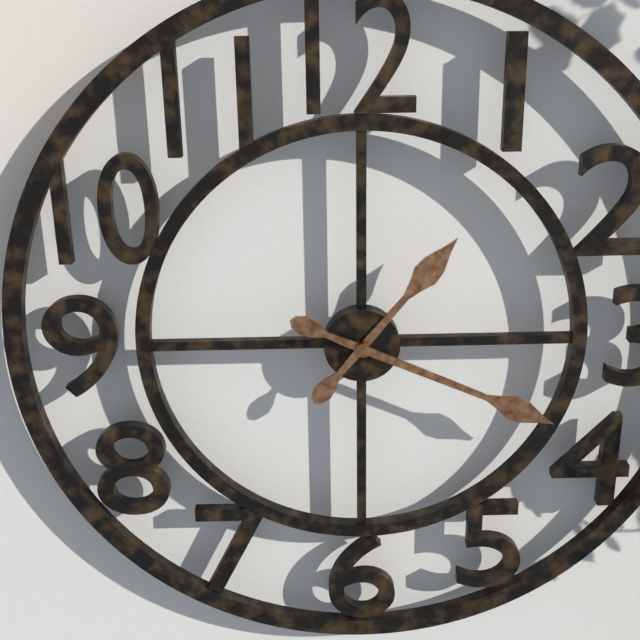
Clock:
1.19
